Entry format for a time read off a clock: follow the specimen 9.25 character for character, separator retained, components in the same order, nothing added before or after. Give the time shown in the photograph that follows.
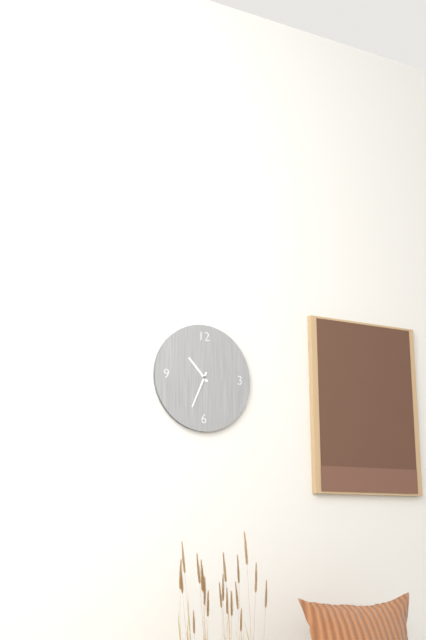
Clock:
10.34
